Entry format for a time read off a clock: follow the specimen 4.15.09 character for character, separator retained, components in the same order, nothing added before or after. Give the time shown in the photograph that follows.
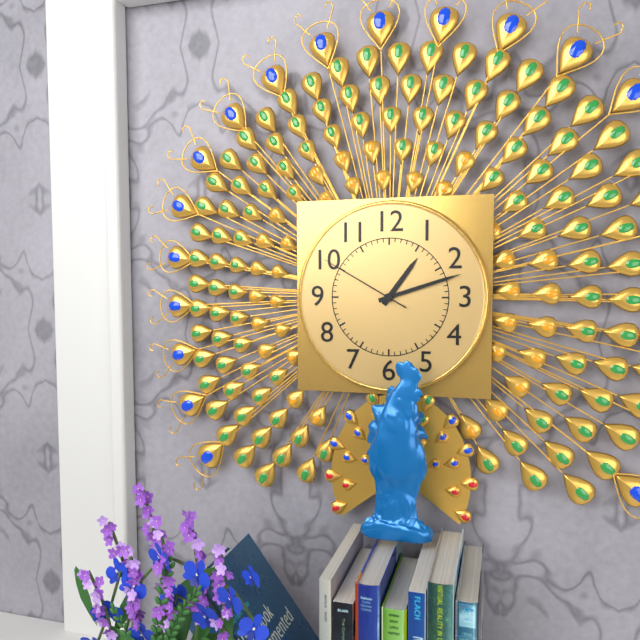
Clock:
1.12.50
